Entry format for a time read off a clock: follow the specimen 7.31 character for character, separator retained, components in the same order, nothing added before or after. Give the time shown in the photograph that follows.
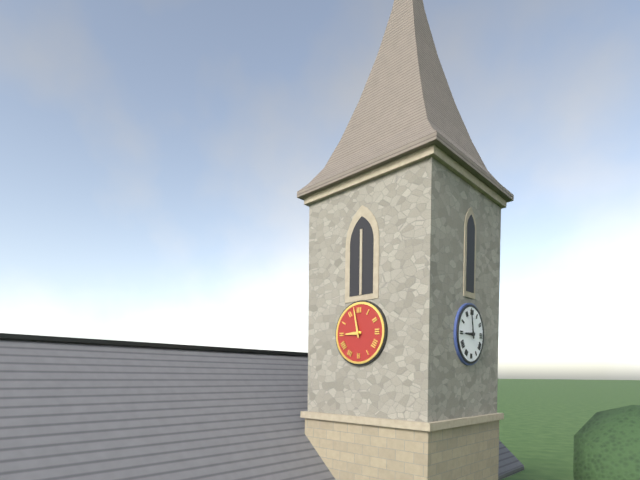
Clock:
8.58
